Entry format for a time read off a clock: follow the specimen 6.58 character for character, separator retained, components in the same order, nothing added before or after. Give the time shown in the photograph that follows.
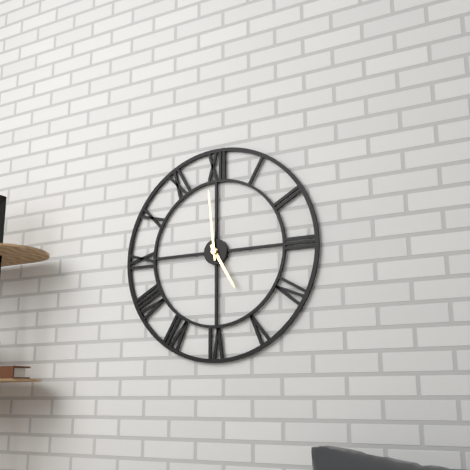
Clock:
4.59
